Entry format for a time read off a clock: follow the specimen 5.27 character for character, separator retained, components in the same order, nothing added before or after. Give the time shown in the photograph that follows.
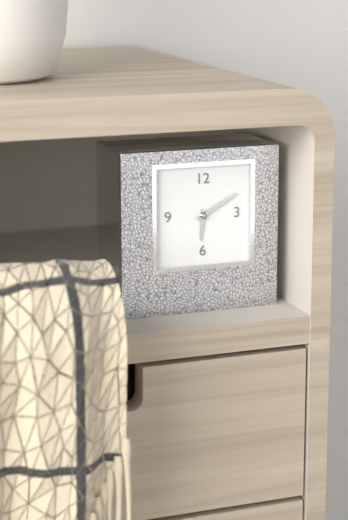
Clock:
6.10
